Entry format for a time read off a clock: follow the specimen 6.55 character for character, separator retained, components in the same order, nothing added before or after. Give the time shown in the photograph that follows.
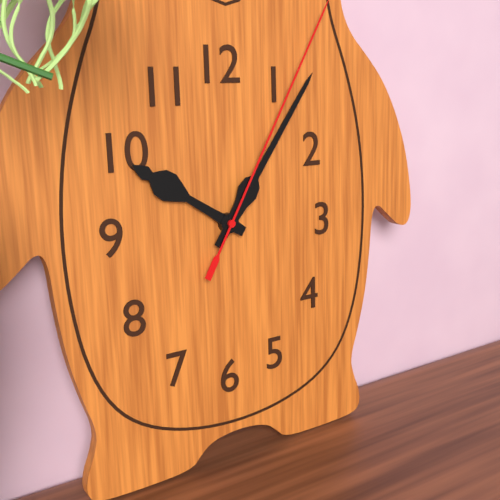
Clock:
10.06
